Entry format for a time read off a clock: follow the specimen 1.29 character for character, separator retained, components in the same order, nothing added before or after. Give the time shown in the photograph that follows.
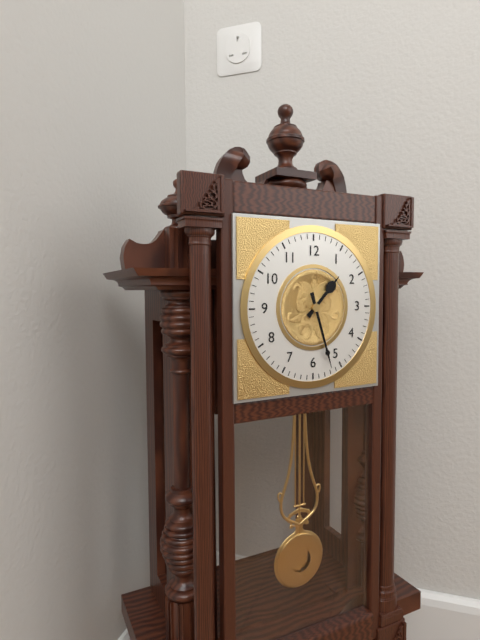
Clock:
1.27
